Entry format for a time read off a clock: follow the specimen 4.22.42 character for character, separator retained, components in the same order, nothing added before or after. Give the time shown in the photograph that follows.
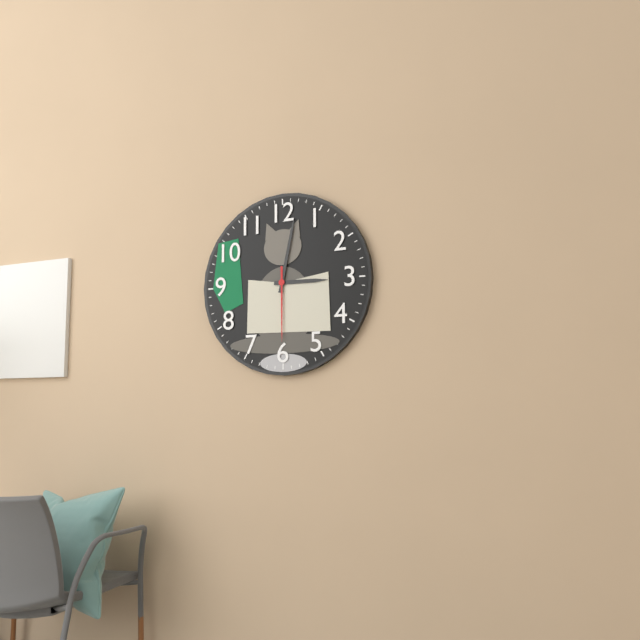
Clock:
3.02.30
